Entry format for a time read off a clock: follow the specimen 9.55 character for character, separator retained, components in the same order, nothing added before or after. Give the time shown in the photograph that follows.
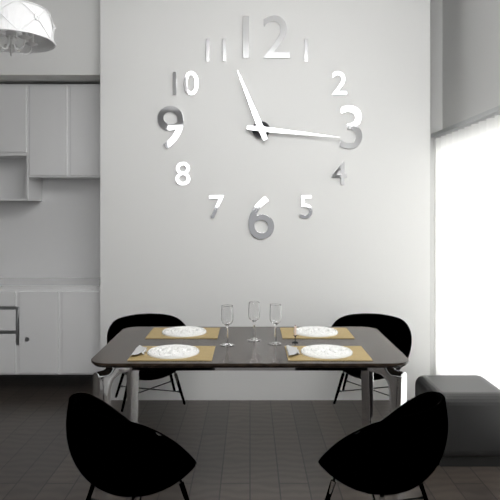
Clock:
11.16
